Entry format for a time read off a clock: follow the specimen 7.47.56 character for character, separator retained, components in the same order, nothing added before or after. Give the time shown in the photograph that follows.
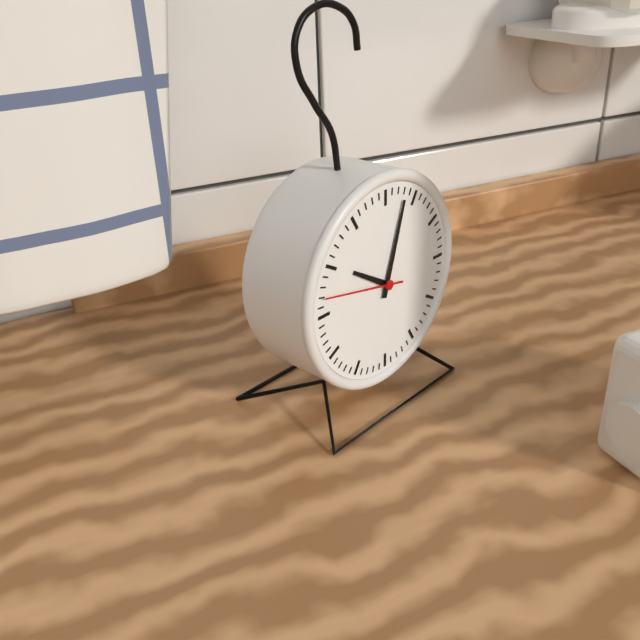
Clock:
10.03.47
